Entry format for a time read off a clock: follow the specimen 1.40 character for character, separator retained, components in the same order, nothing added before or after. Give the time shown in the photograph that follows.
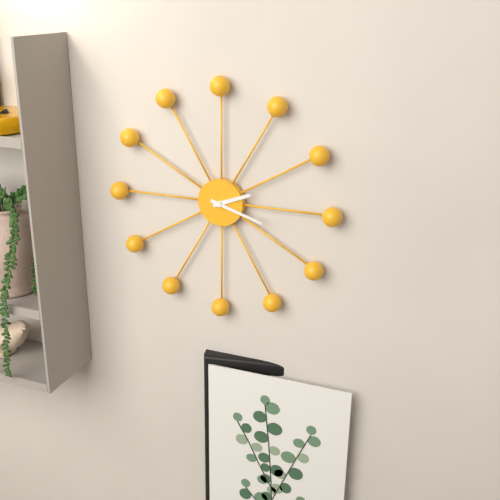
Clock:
2.18
